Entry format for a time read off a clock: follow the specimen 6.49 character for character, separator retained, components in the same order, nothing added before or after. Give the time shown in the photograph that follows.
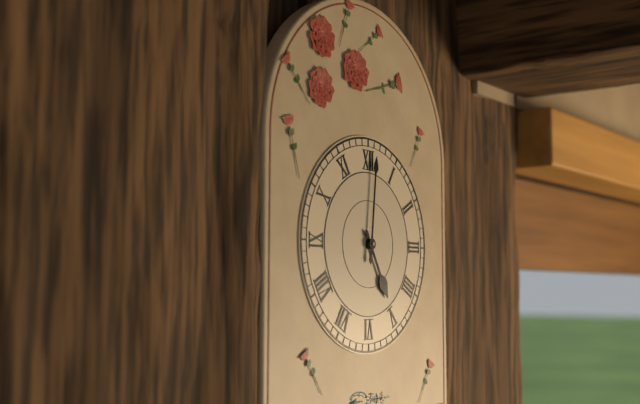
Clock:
5.01
